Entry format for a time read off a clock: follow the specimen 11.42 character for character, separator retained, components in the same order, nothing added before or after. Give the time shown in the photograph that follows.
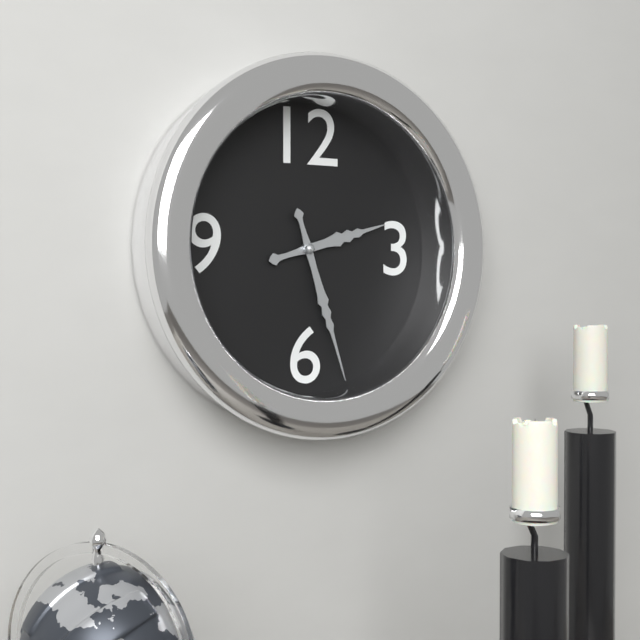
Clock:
2.27
